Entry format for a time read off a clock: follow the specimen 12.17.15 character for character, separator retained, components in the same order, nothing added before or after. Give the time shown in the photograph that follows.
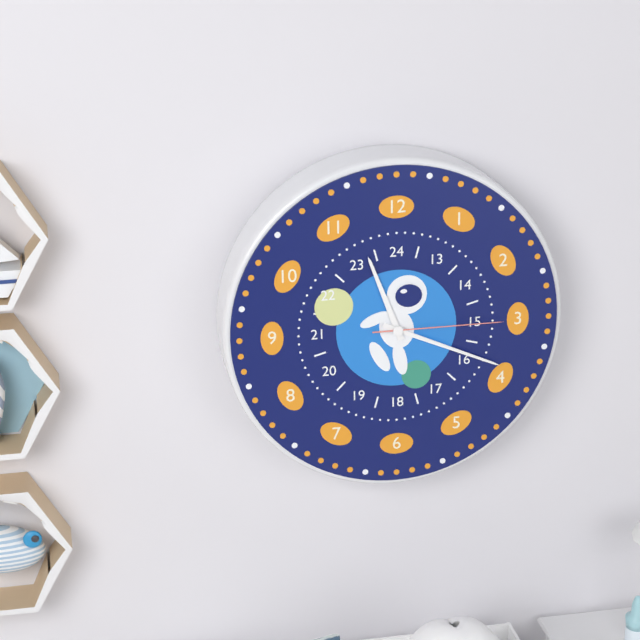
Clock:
11.19.15
